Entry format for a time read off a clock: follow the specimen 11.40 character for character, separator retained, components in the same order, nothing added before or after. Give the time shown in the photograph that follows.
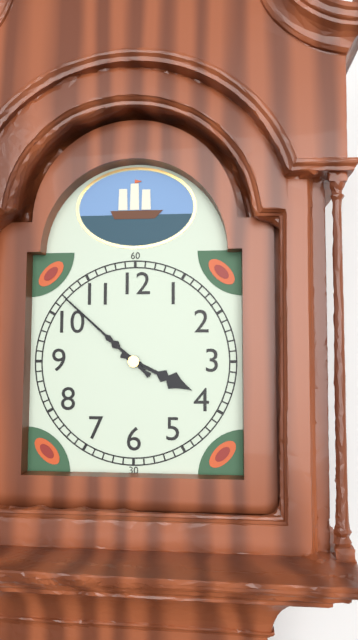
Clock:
3.52
